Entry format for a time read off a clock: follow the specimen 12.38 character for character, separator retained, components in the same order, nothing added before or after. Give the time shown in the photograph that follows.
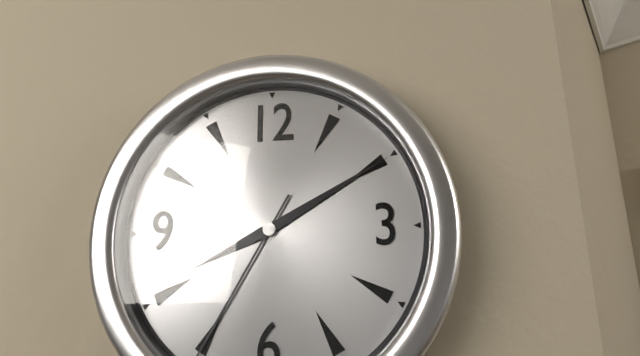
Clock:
8.10
